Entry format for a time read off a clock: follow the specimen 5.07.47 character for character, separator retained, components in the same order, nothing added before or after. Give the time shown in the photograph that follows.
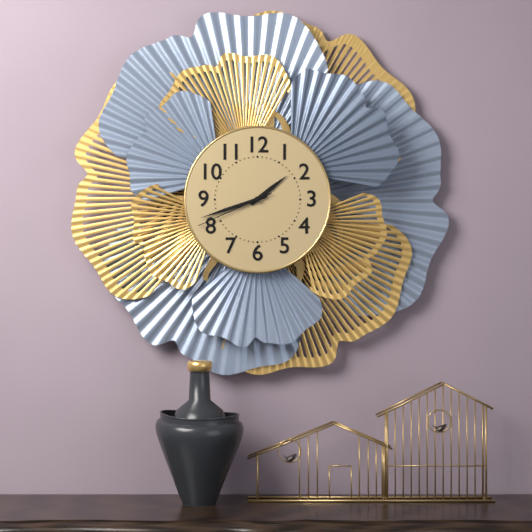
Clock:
1.42.41
